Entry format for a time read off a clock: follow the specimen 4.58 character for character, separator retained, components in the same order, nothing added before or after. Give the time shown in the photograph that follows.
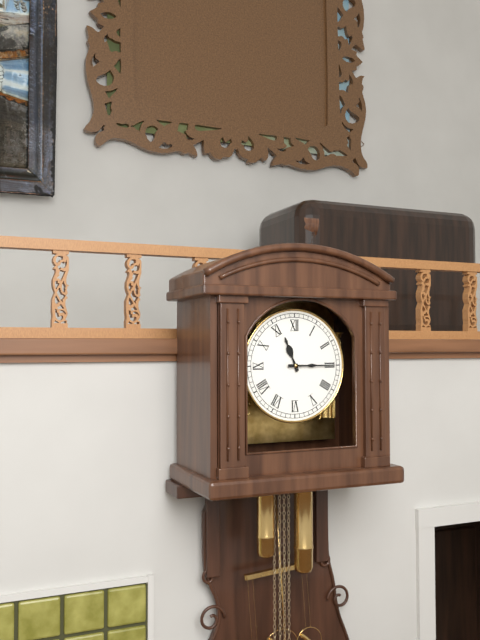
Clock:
11.15
